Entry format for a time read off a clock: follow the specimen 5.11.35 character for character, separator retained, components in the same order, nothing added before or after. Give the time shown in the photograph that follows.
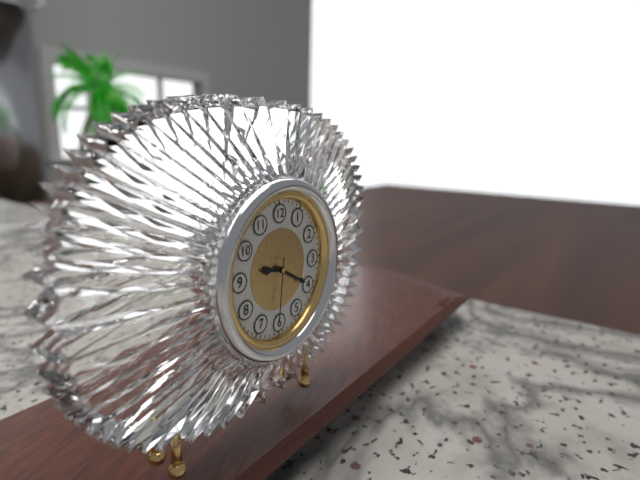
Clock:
9.20.31
